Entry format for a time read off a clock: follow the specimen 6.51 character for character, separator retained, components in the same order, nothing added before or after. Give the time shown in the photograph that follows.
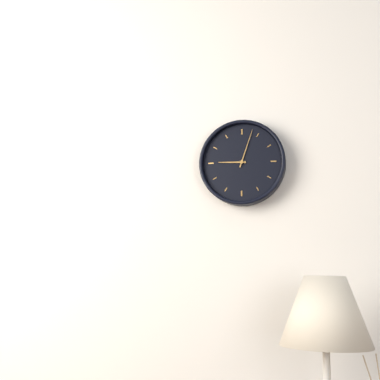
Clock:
9.03
